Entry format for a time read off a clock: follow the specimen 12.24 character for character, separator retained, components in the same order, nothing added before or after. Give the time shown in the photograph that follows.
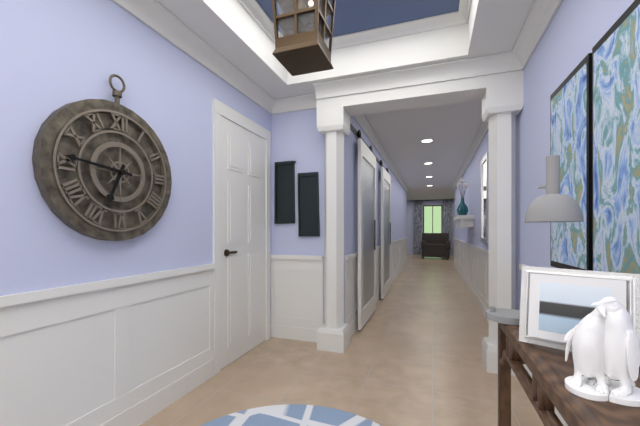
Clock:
6.46
